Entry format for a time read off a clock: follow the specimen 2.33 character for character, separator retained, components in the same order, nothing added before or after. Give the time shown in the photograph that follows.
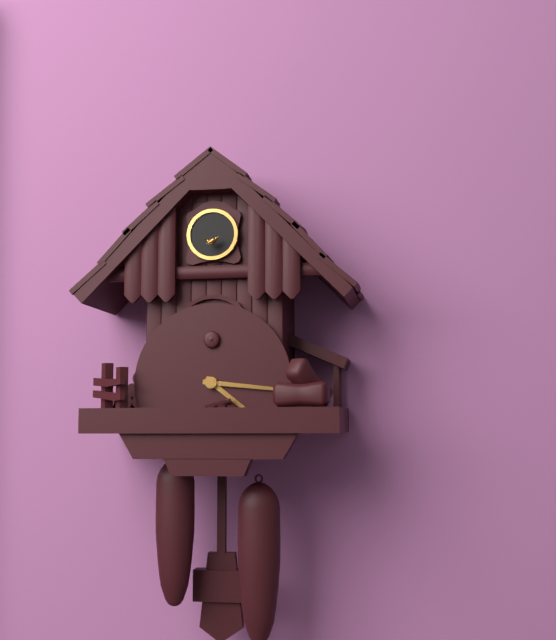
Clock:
4.16
